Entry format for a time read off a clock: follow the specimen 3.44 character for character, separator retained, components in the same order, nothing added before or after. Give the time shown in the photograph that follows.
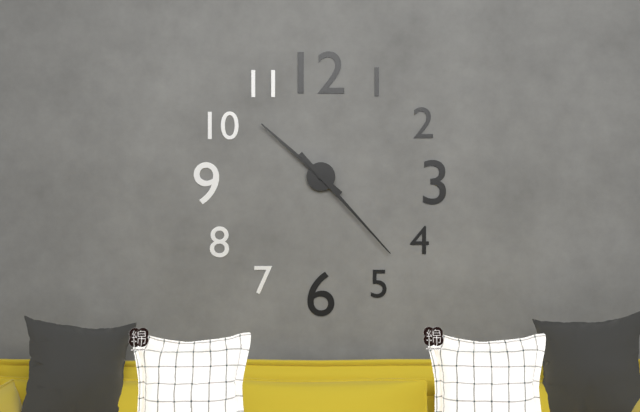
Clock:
10.23
